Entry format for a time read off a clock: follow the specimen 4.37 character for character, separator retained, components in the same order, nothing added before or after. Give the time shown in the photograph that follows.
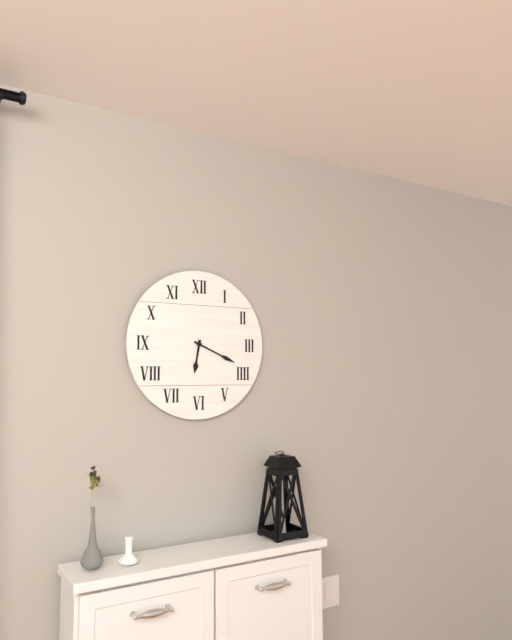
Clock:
6.19
